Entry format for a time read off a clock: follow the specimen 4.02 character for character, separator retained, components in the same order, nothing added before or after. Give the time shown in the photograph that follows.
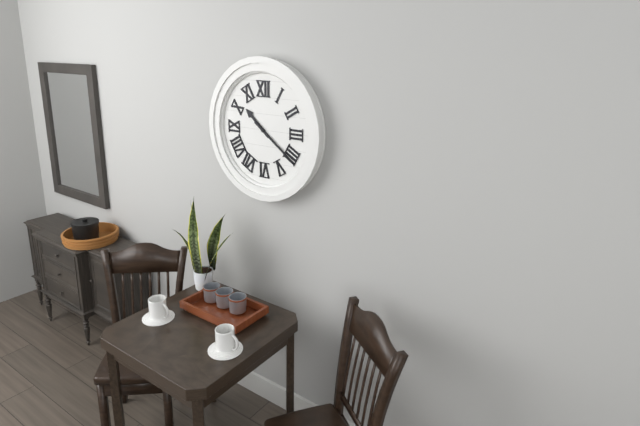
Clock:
10.21
